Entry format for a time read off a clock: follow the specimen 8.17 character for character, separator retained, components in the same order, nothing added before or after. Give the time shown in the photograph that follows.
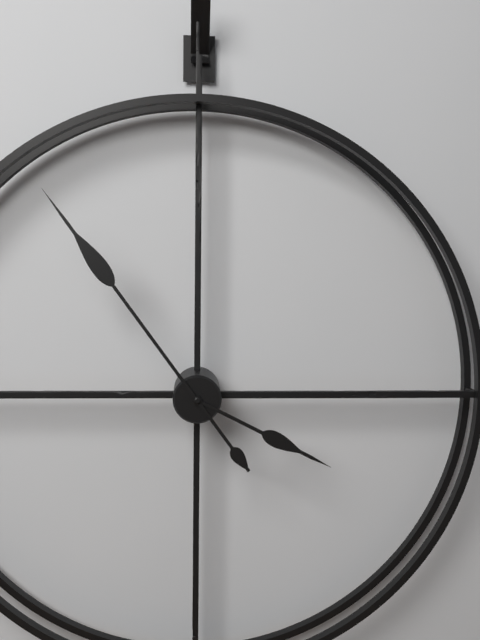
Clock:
3.54
